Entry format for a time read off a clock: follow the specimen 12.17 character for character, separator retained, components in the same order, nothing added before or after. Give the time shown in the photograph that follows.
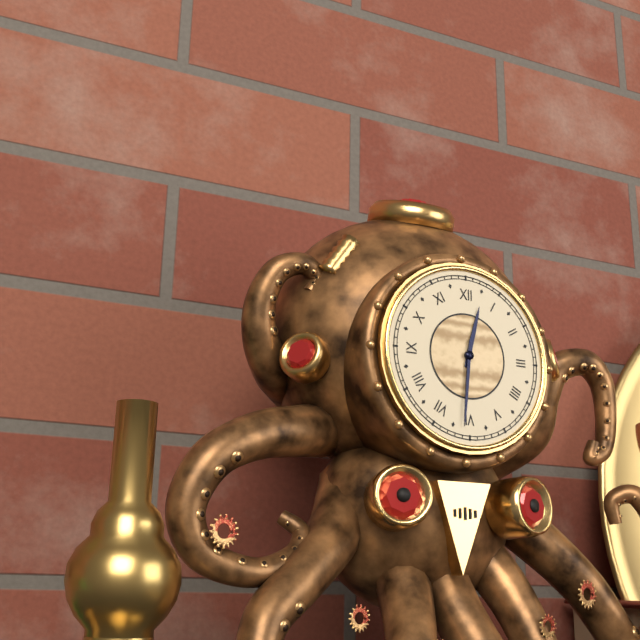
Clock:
12.31
